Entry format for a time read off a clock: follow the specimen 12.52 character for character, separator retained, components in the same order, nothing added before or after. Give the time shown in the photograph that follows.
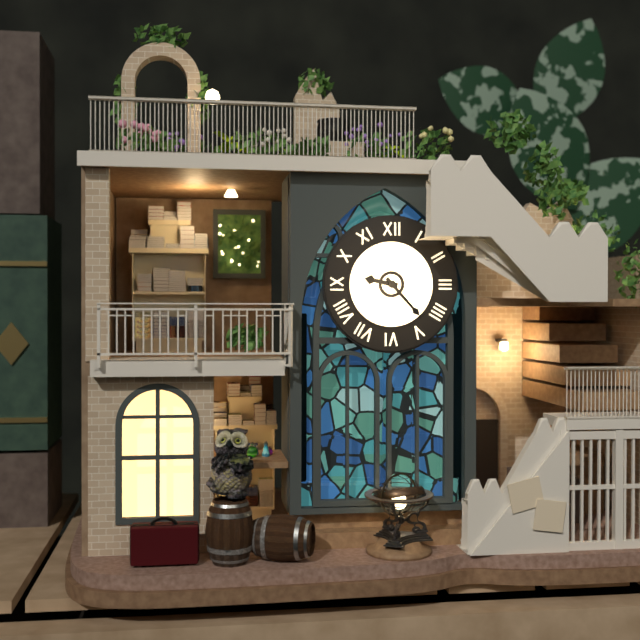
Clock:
9.23
